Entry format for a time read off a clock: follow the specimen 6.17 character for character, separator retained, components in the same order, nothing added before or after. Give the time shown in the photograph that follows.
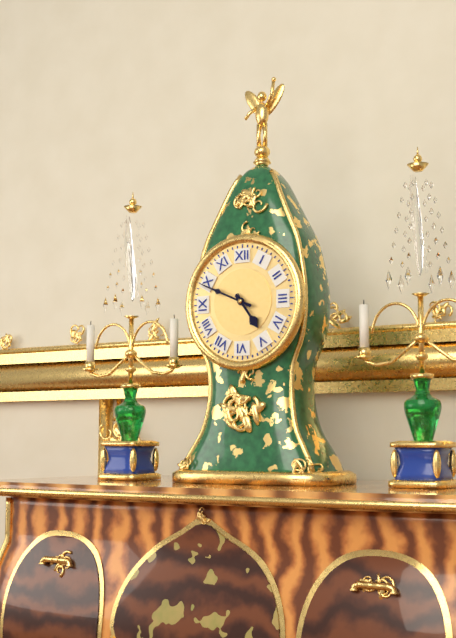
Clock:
4.49
